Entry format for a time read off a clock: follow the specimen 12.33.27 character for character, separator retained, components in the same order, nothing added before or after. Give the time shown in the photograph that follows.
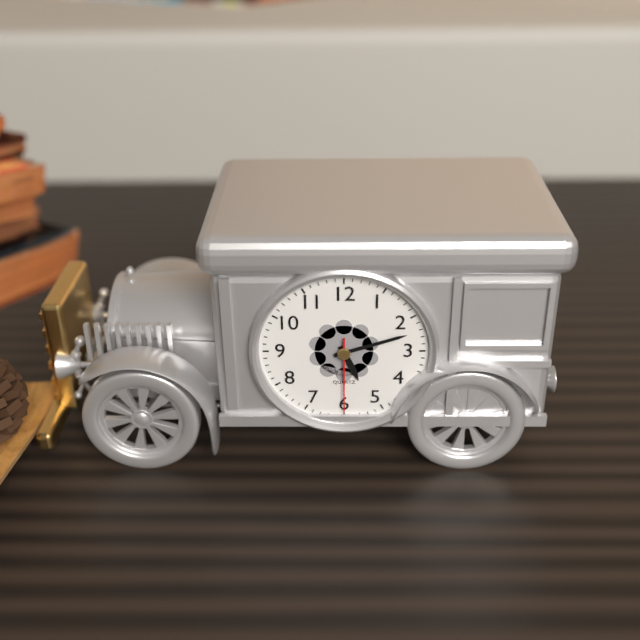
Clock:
5.12.30
